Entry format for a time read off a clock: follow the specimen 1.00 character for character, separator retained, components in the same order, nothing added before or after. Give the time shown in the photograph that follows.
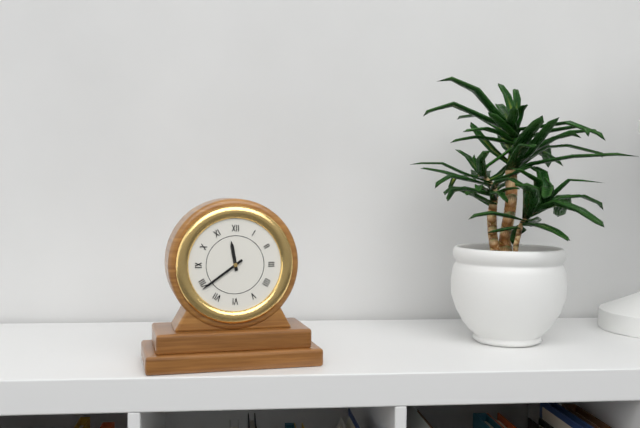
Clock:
11.39
